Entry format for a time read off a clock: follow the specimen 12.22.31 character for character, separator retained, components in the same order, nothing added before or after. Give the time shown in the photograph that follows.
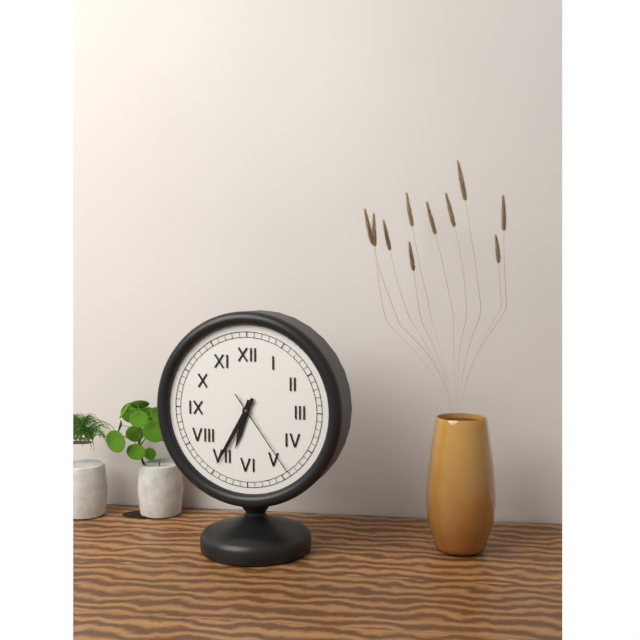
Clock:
6.35.24
